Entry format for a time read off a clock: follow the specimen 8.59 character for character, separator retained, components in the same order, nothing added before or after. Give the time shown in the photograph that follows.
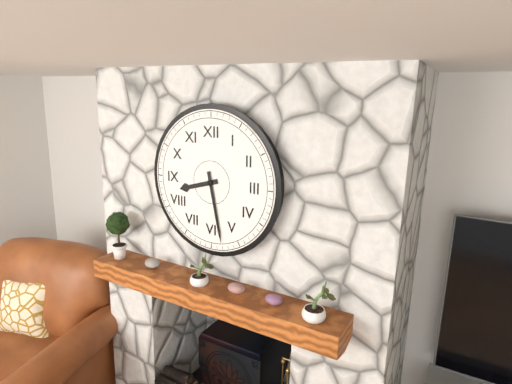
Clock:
8.28
